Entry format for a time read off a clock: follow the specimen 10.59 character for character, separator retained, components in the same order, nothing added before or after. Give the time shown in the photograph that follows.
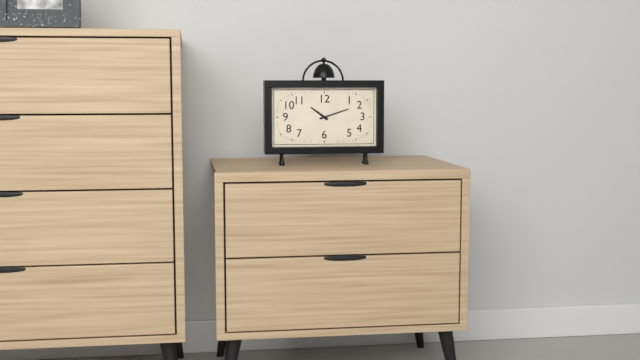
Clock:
10.12
